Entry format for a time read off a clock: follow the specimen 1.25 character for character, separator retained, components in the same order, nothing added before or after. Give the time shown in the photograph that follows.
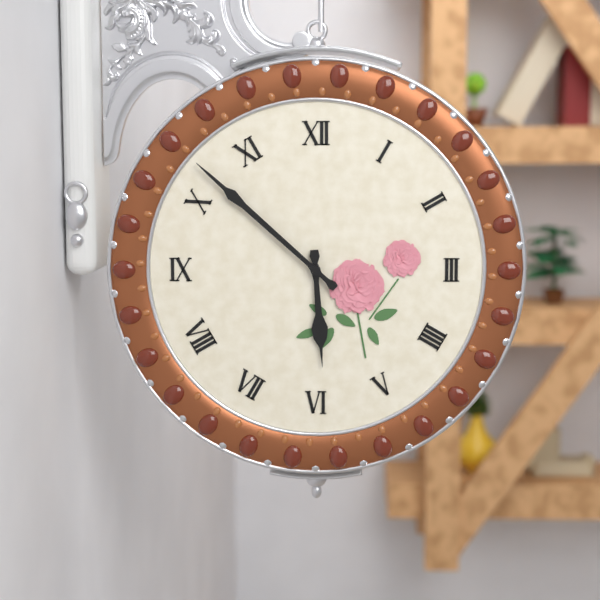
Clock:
5.52
